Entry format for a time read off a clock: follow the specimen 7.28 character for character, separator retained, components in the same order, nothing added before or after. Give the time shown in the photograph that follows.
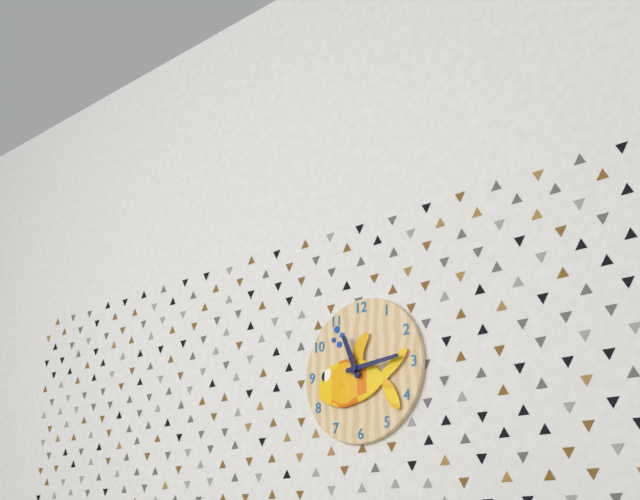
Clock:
11.14
